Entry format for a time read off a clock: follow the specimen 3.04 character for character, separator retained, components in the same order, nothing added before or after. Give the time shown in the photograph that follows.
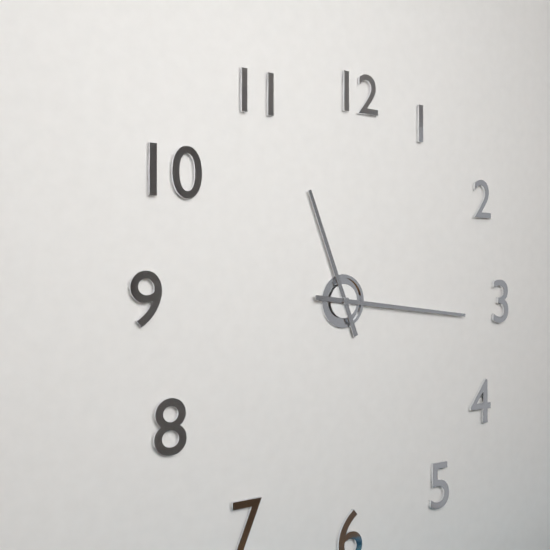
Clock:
11.16
